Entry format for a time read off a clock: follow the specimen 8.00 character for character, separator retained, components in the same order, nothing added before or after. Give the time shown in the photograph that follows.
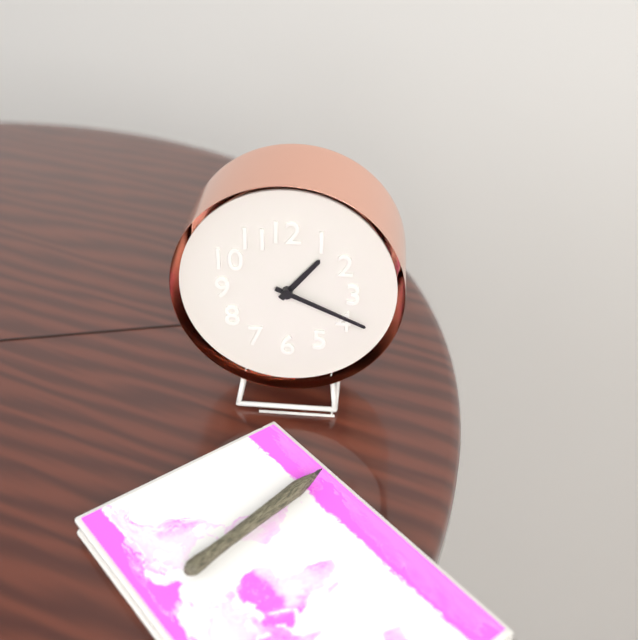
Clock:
1.19
